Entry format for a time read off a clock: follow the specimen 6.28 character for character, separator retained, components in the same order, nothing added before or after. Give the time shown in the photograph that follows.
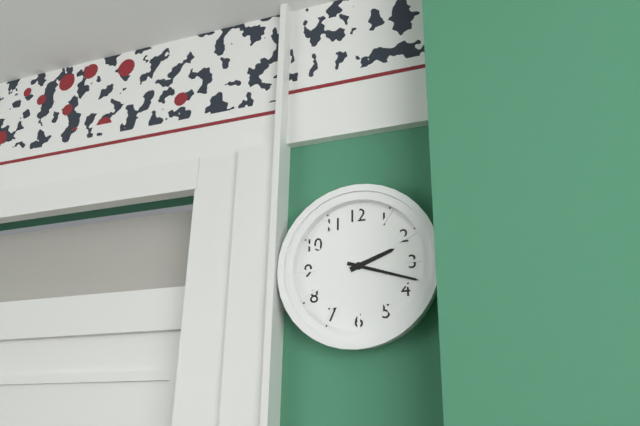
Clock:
2.18
